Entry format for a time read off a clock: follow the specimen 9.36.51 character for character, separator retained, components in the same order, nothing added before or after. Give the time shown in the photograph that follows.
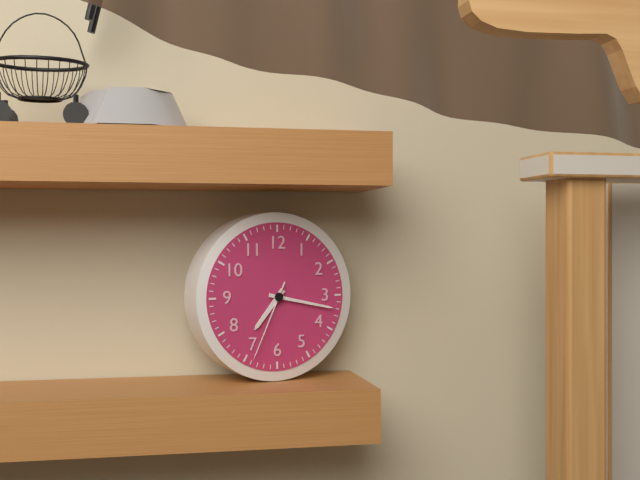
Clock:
7.17.34
